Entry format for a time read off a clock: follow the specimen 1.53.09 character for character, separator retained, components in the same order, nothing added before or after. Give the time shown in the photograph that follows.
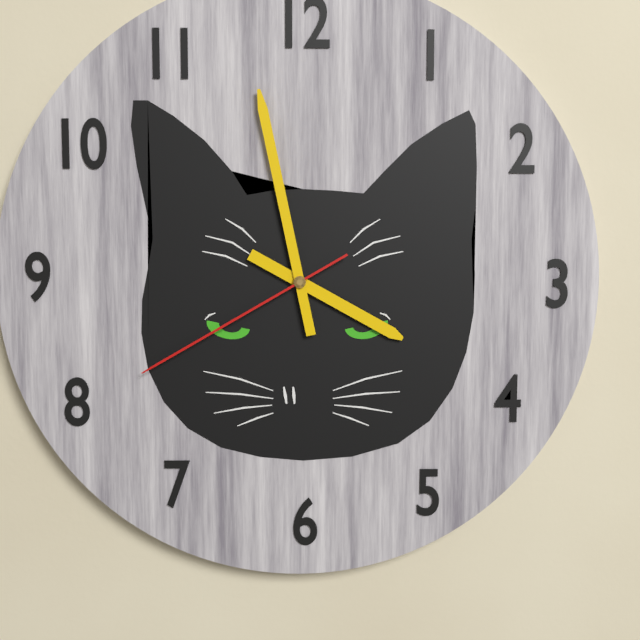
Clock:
3.58.40
